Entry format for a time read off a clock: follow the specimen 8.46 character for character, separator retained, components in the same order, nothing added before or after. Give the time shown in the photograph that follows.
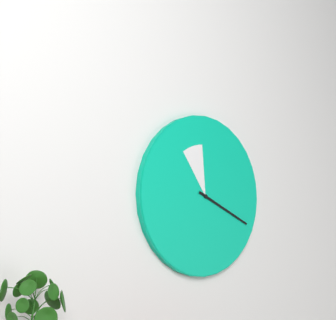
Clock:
11.19
